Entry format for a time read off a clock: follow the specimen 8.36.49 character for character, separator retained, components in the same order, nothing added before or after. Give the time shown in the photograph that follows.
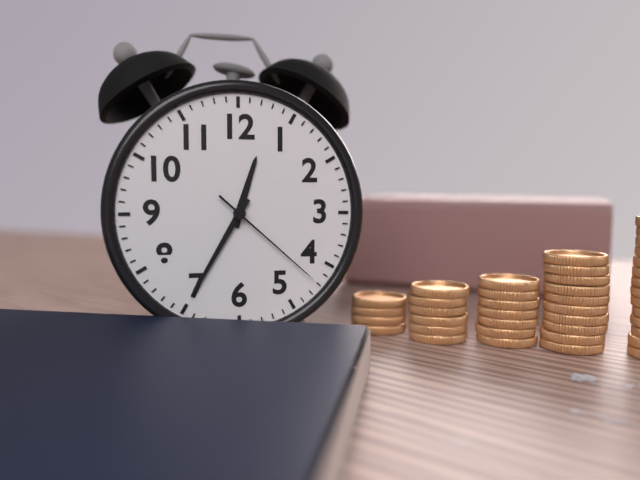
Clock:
12.35.22
